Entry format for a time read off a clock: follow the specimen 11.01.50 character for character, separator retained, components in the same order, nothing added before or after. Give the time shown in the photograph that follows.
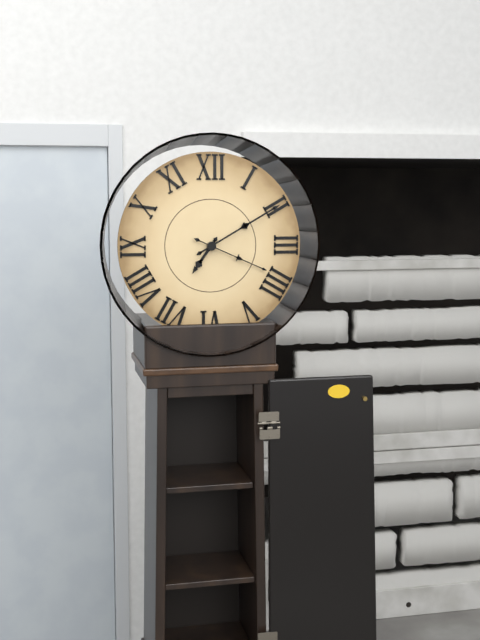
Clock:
7.10.19
